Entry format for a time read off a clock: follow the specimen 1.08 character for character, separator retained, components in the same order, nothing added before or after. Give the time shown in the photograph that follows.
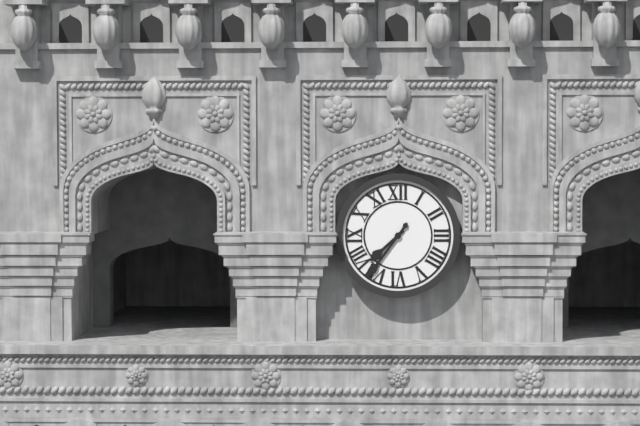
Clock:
7.36
